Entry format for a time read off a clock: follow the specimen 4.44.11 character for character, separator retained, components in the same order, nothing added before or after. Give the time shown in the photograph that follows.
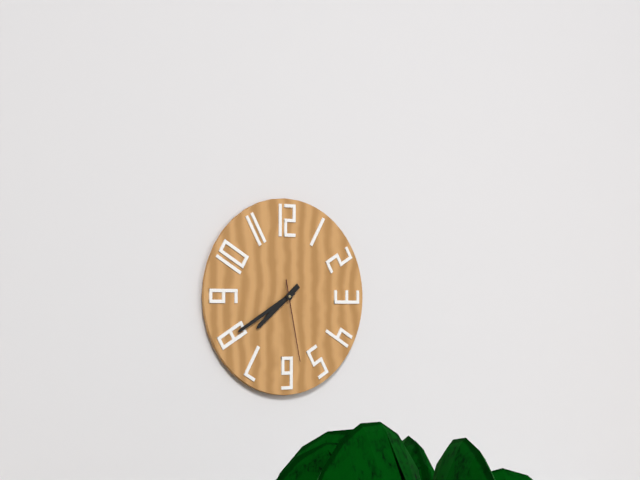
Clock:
7.40.28
